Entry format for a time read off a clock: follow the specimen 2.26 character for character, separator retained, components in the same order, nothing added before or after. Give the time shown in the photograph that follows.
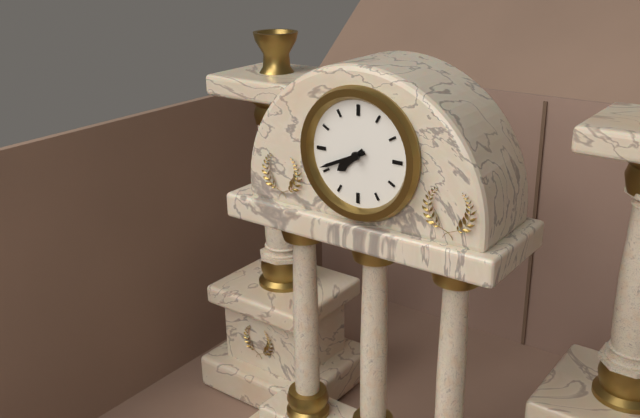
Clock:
7.41
